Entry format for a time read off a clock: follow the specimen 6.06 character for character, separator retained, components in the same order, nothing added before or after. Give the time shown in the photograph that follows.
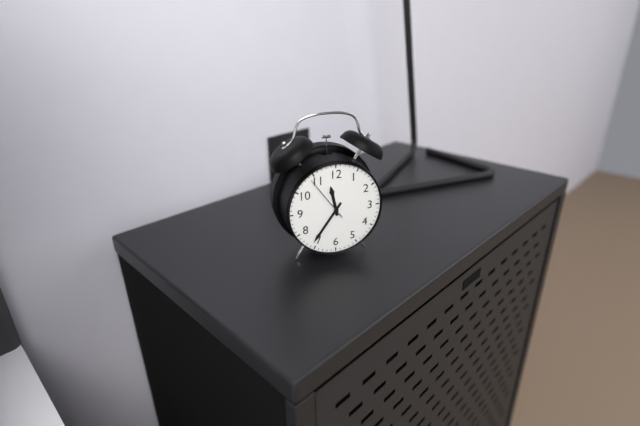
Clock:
11.36
